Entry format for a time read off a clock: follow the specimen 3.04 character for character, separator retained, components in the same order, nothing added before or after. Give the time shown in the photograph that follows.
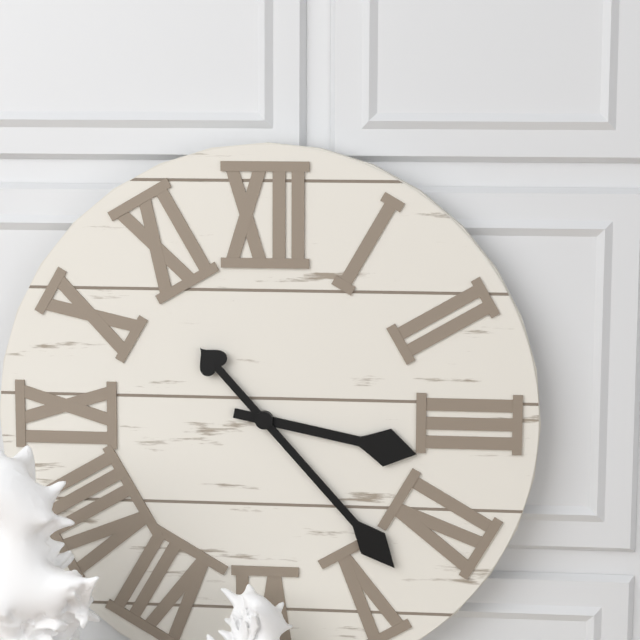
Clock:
3.23
